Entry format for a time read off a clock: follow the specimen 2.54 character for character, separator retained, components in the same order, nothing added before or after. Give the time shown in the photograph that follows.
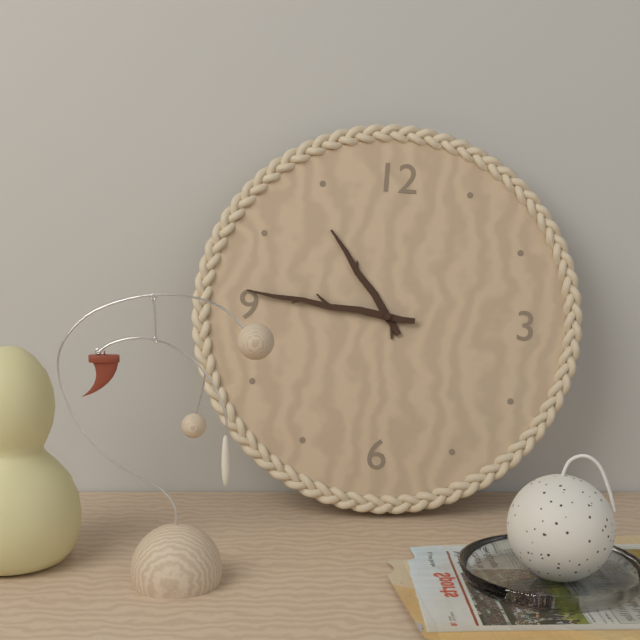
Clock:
10.46
